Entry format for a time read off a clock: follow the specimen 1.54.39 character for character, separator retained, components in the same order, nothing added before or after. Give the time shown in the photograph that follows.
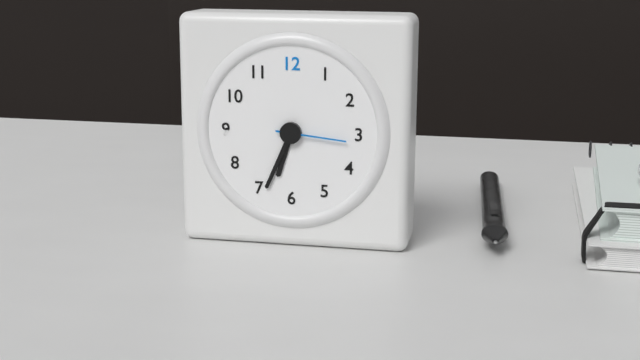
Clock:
6.34.16
